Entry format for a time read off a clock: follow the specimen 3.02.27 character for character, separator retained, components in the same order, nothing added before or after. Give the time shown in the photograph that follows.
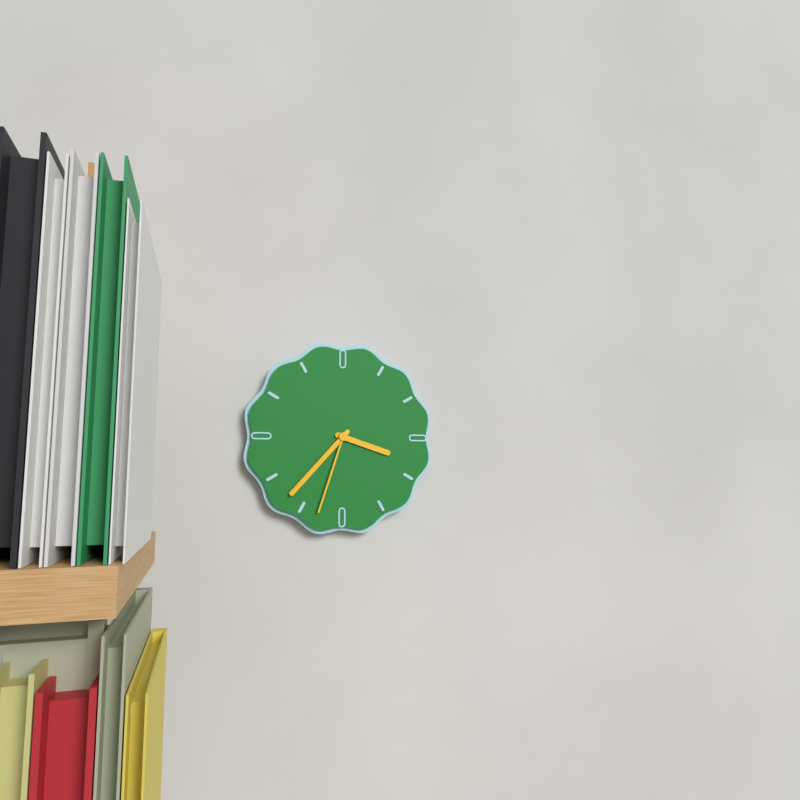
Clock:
3.37.33
